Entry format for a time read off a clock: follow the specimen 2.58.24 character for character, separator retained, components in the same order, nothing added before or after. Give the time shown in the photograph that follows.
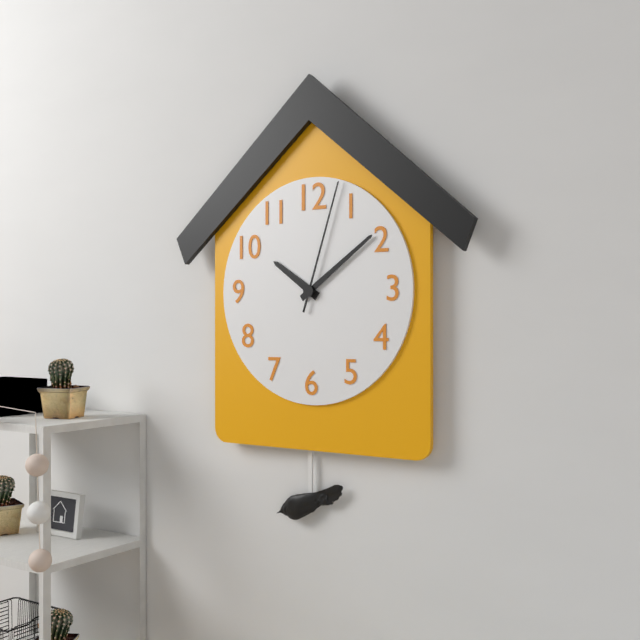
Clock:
10.09.03
